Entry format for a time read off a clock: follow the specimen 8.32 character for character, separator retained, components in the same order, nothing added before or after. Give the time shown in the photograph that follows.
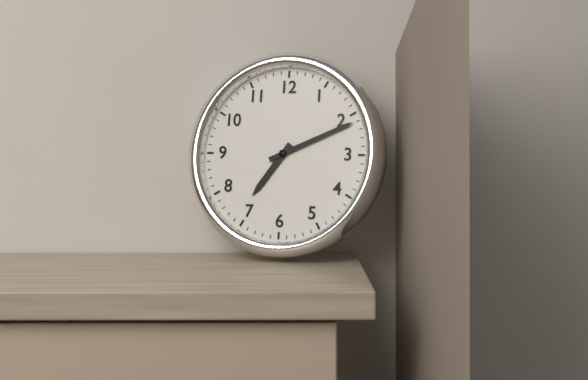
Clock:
7.11
